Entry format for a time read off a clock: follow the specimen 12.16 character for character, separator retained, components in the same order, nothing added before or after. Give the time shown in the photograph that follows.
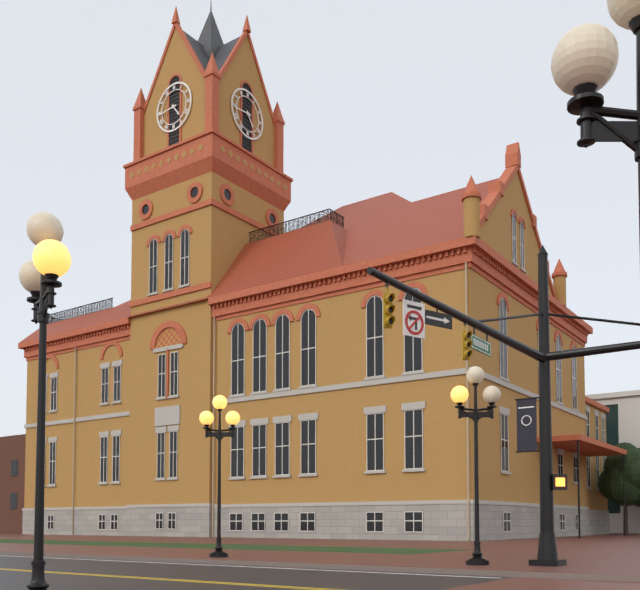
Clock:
4.44
